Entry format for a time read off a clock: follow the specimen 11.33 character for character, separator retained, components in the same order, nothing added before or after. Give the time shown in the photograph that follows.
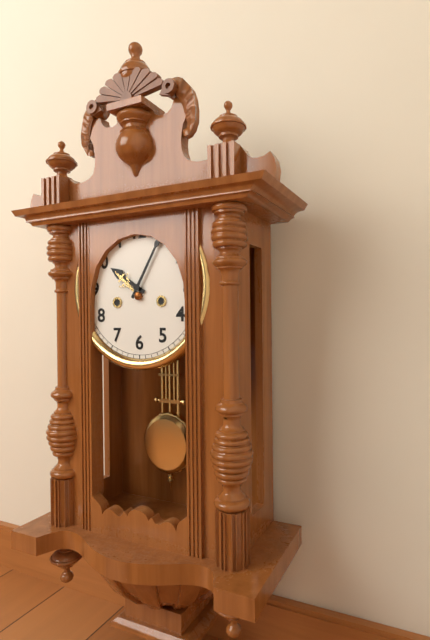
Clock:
10.05
